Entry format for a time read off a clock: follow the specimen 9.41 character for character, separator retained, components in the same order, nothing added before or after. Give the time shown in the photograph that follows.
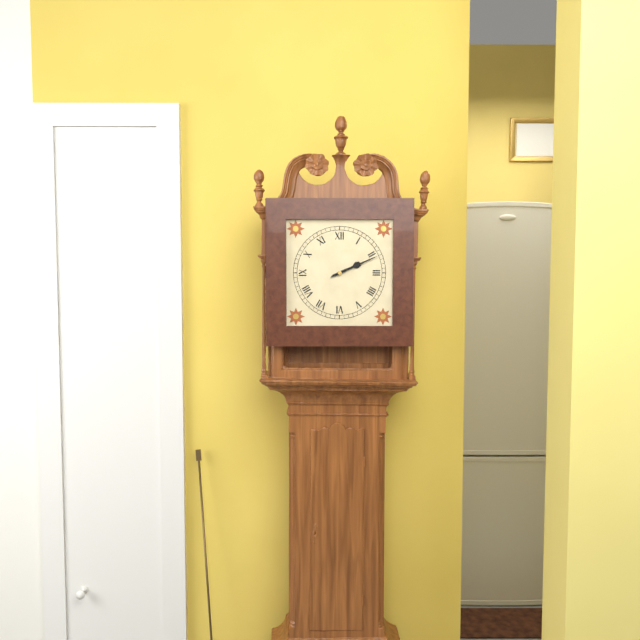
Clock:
2.11
